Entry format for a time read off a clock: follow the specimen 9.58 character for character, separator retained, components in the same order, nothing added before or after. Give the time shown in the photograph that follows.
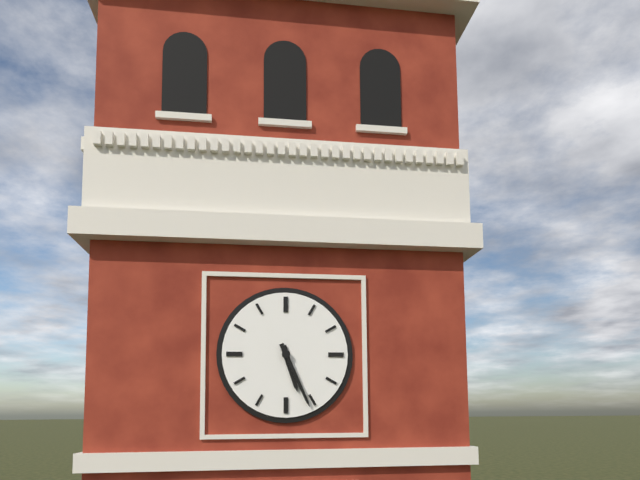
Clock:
5.26
